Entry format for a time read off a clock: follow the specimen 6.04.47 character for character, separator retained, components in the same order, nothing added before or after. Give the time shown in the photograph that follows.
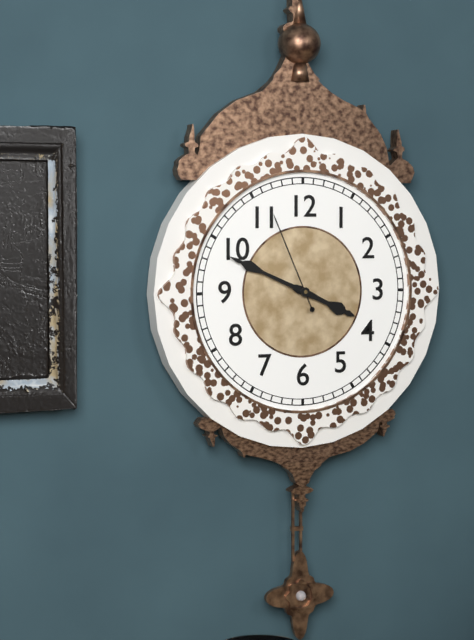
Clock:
3.49.56
